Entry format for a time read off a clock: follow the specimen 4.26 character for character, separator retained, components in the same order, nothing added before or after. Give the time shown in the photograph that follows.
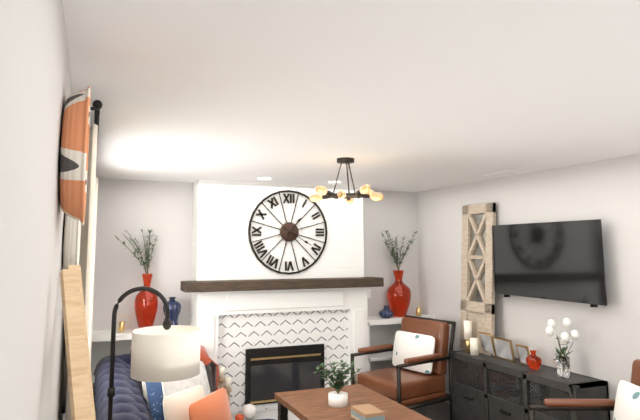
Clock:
1.20
